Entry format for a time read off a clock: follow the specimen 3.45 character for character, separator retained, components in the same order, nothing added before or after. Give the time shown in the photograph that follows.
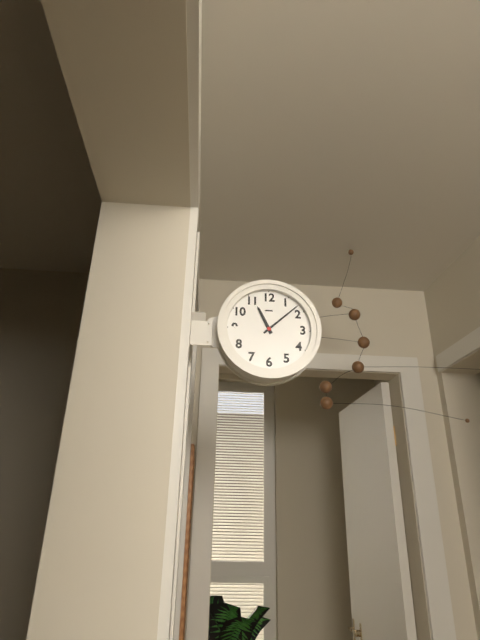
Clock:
11.08
